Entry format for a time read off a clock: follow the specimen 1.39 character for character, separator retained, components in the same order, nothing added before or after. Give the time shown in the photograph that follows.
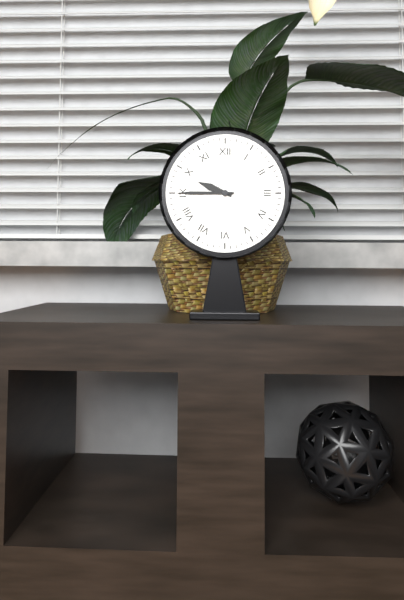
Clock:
9.45
